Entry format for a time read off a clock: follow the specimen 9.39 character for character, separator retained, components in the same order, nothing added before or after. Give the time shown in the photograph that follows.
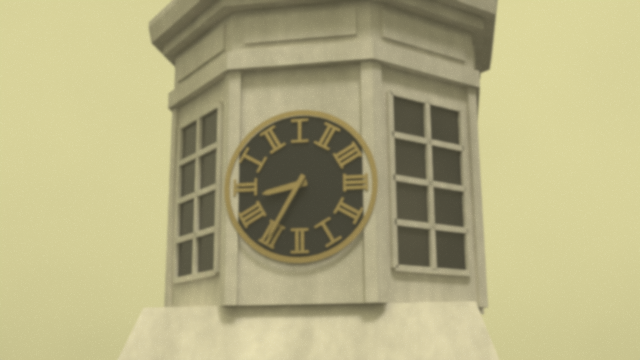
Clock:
8.35
